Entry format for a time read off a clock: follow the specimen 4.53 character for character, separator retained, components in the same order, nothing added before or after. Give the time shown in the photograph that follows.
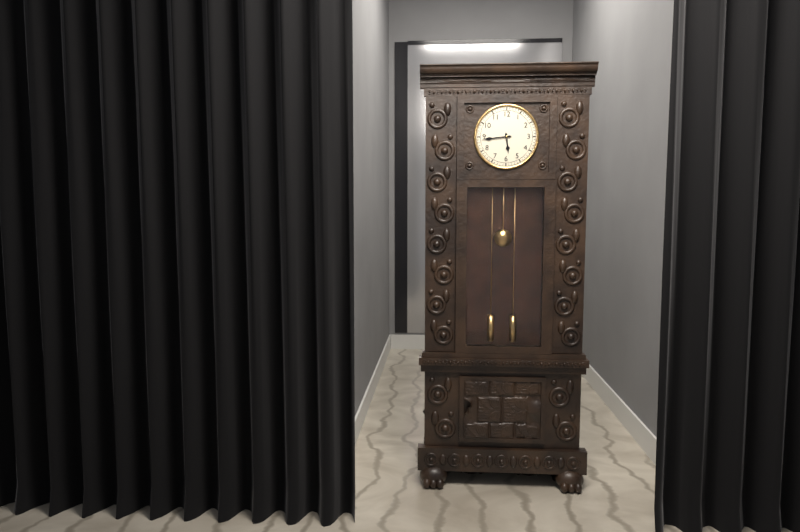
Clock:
5.44
